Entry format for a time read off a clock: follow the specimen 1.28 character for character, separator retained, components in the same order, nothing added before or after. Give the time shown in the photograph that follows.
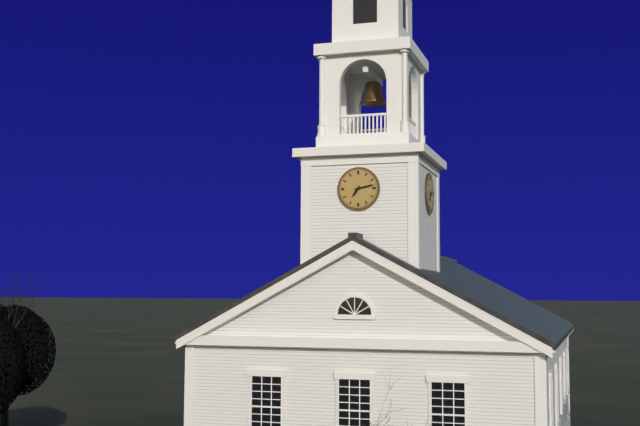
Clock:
7.13
